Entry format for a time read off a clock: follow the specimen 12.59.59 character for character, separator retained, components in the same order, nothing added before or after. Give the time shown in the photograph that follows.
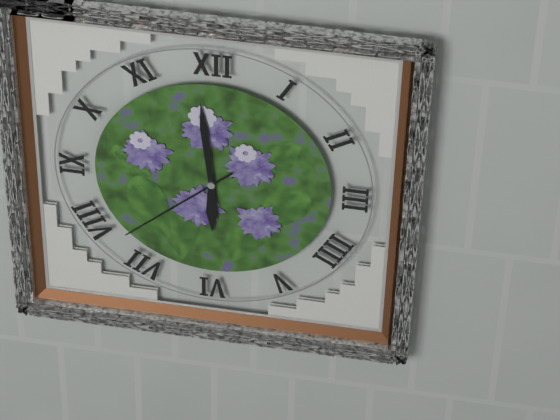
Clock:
5.59.38
